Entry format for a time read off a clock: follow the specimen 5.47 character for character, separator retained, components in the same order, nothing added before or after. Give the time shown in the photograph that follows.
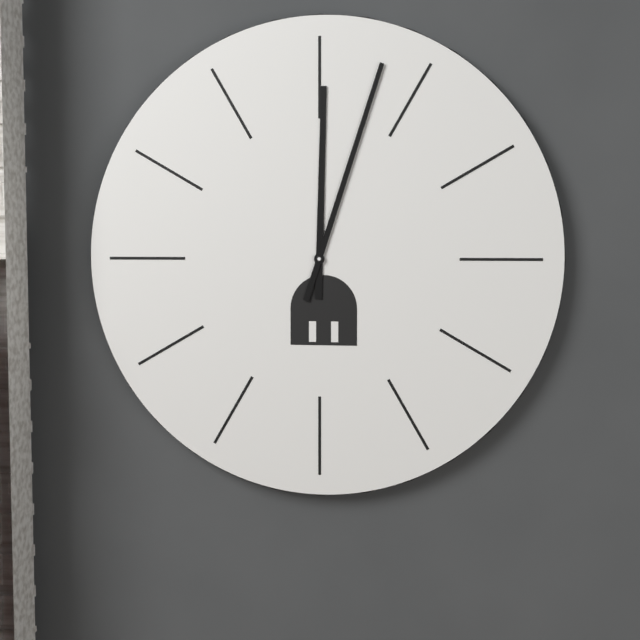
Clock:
12.03
